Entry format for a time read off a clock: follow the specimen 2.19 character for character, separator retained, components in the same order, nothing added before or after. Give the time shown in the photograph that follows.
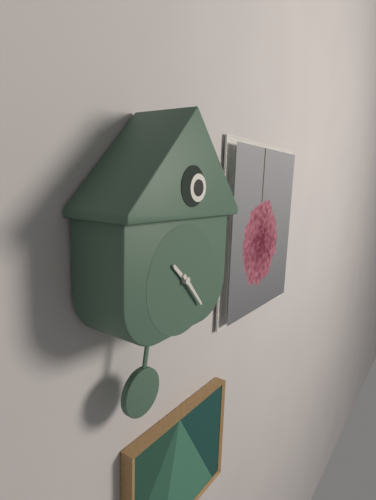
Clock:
10.23
